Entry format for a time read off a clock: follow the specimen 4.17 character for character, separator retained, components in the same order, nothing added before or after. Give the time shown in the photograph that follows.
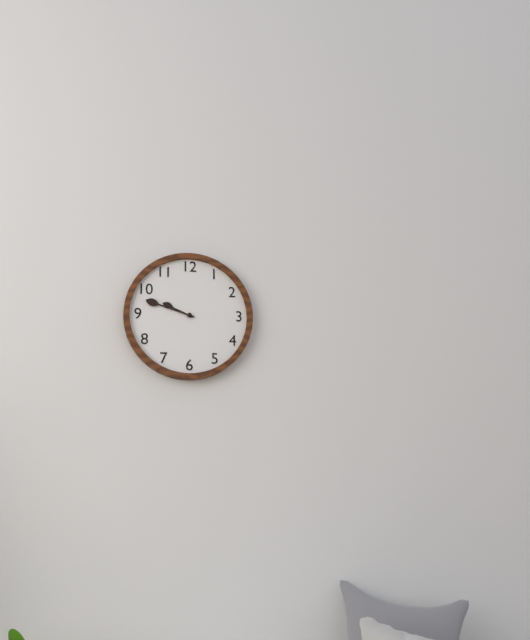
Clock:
9.48
